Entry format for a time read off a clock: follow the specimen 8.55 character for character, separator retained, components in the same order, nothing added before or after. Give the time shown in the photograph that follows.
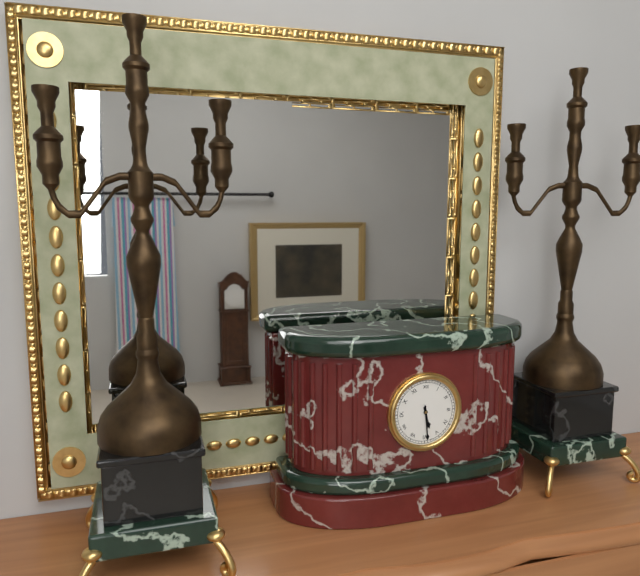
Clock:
5.29
